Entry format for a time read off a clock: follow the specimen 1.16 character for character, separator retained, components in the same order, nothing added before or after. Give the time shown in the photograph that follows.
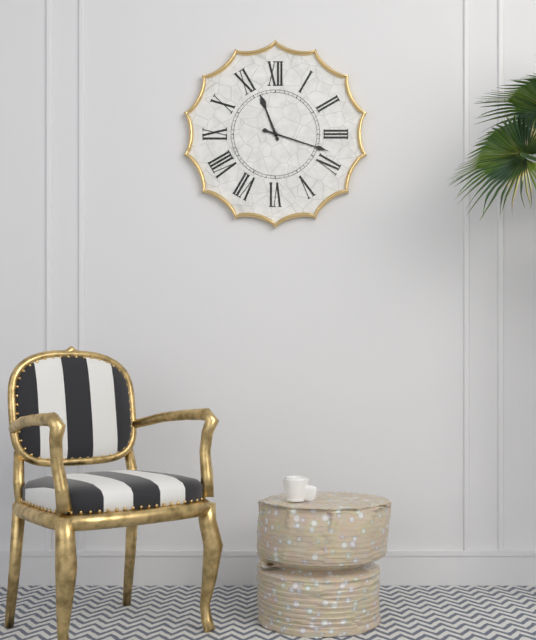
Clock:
11.18
